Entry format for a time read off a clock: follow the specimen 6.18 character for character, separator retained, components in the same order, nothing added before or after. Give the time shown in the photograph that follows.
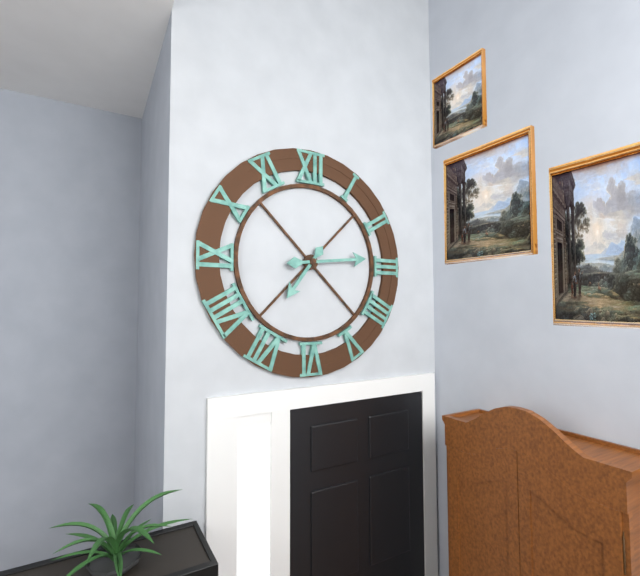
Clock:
7.14
